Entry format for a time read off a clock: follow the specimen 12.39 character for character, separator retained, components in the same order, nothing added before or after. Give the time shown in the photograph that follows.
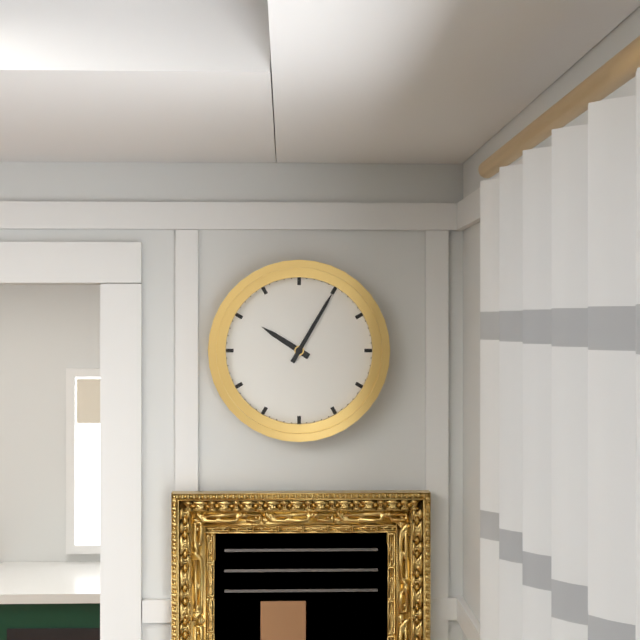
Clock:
10.05
